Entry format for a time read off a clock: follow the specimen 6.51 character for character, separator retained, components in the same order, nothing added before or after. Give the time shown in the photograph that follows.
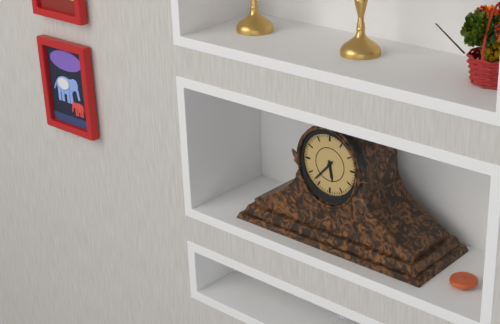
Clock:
5.37
